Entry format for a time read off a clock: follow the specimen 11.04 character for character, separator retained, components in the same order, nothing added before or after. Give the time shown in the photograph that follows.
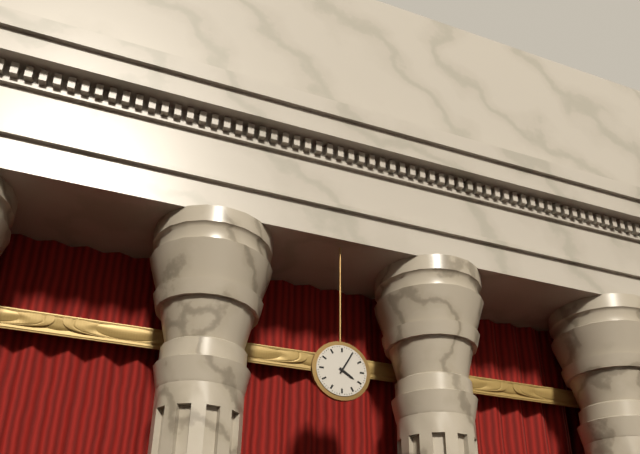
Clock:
4.05
